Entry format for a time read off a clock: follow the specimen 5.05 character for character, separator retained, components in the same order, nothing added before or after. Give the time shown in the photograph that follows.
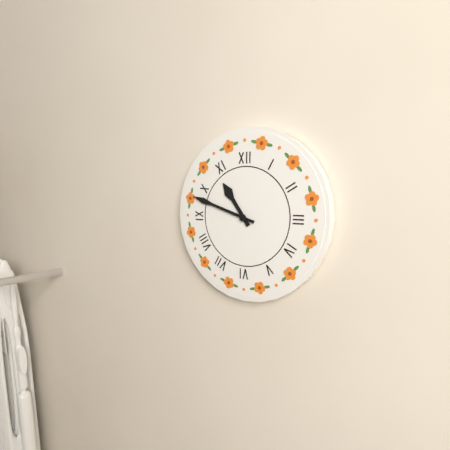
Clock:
10.48
